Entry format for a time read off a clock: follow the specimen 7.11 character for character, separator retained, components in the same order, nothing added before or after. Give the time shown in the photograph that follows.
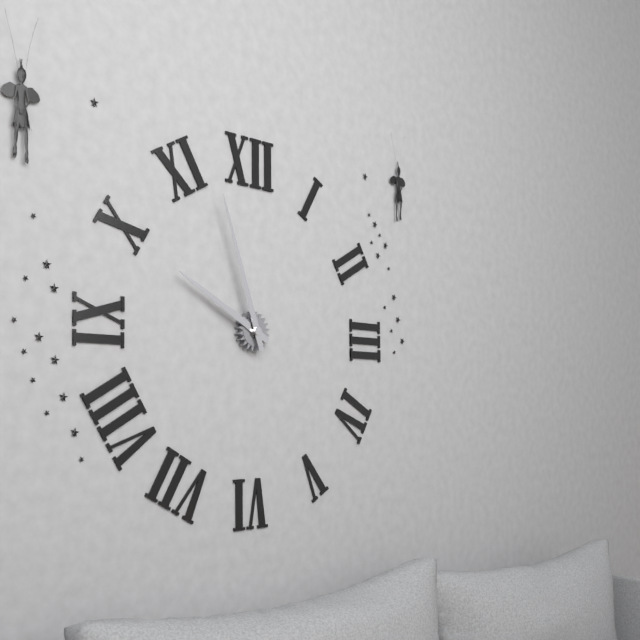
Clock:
9.57
